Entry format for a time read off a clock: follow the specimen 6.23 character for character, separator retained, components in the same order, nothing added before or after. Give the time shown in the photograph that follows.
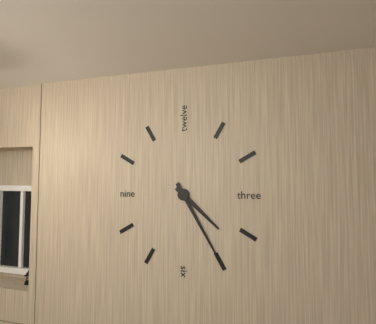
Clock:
4.25
